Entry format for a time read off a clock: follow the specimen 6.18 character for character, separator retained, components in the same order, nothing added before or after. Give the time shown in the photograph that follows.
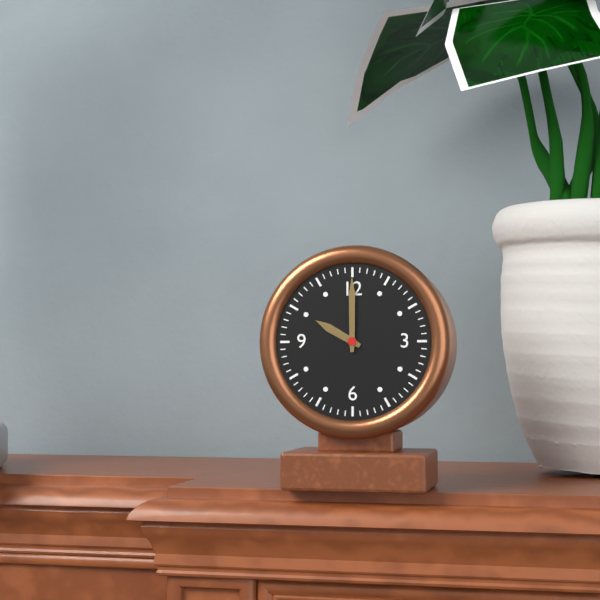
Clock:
10.00
